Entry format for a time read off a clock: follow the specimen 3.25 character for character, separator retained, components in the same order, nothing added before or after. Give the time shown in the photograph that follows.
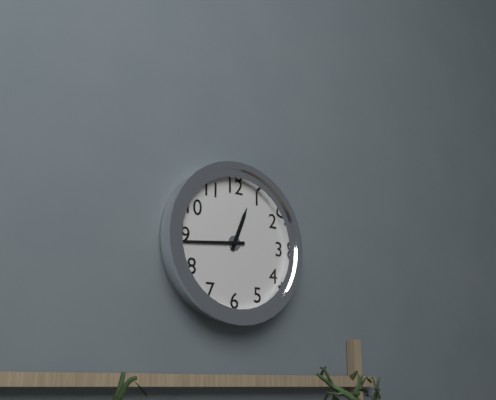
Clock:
12.44
